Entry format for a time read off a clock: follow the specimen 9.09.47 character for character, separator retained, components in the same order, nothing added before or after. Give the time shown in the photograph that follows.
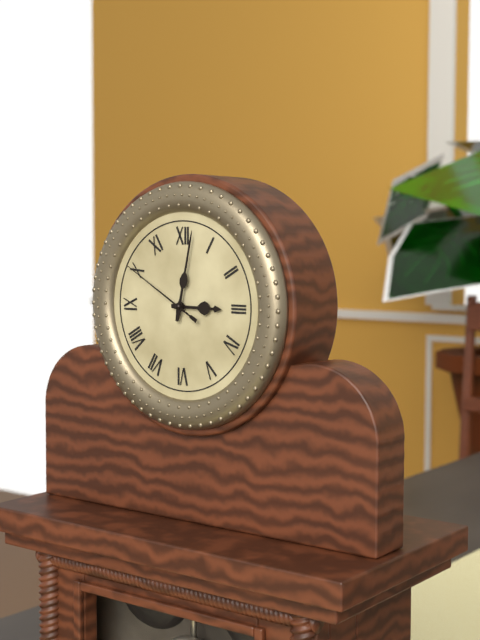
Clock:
3.02.50
